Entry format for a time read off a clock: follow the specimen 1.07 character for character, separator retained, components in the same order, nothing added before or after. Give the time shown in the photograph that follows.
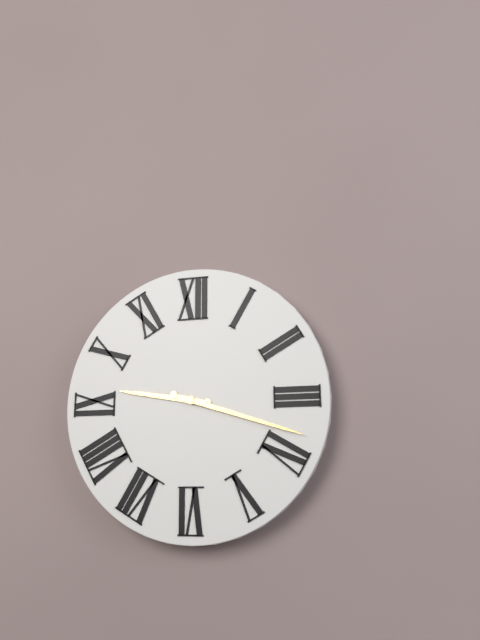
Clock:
9.18
